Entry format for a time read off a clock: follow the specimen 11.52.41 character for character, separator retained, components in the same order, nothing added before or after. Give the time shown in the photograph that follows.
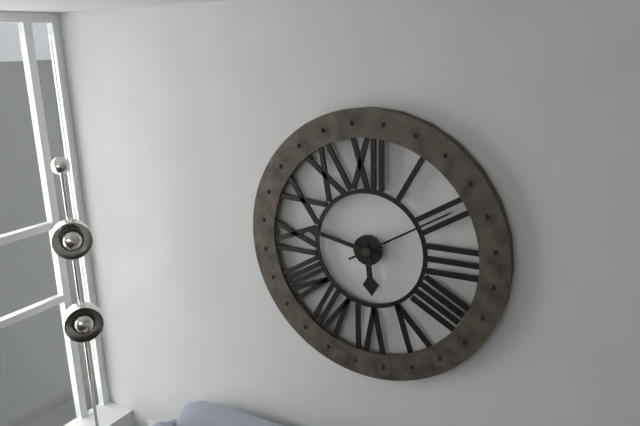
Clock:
5.47.10
